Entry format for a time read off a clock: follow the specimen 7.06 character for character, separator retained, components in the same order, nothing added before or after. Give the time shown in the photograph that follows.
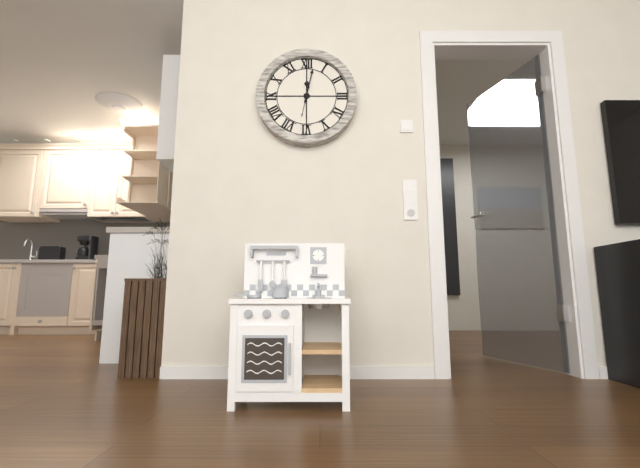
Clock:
12.02
